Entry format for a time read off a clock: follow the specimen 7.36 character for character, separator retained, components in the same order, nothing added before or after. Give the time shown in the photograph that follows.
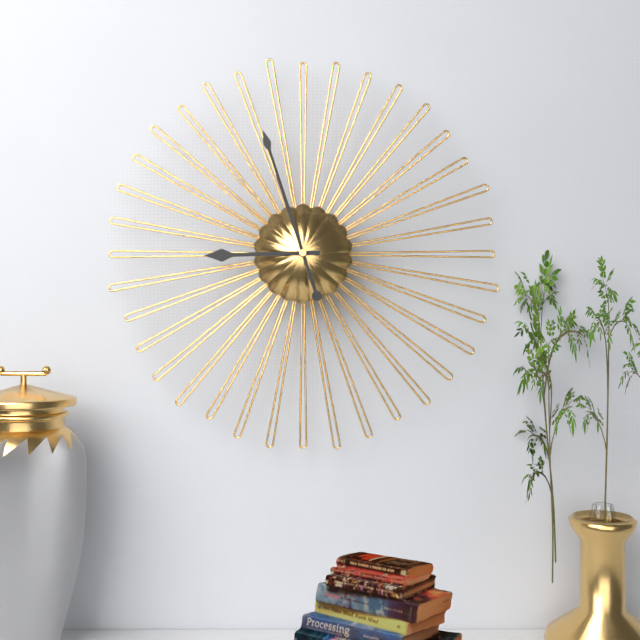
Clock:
8.57
